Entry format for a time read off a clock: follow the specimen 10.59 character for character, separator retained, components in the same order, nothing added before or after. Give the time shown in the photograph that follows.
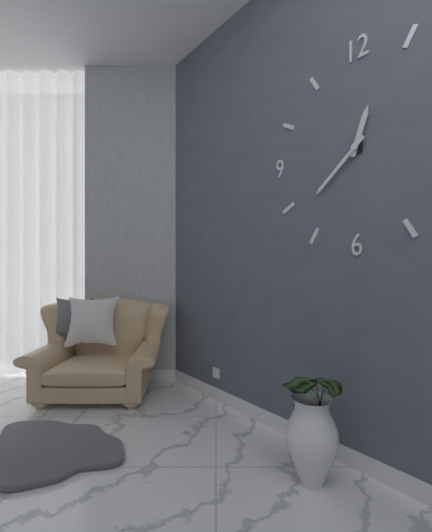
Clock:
12.38
